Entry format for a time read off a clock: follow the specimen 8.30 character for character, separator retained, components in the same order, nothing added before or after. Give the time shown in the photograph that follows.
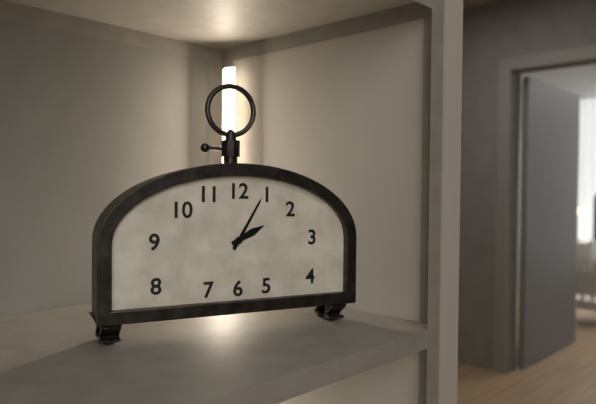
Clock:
2.05
